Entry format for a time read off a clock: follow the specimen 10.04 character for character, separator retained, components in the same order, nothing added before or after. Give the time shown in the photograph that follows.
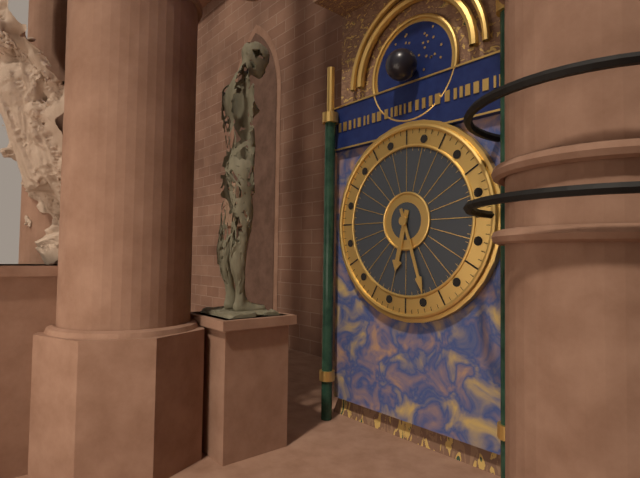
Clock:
6.27
